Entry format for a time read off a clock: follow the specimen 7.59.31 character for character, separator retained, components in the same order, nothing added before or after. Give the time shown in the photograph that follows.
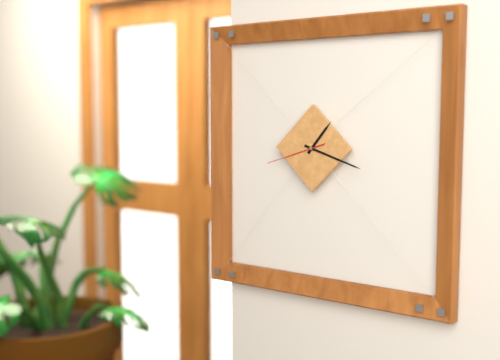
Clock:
1.18.42
